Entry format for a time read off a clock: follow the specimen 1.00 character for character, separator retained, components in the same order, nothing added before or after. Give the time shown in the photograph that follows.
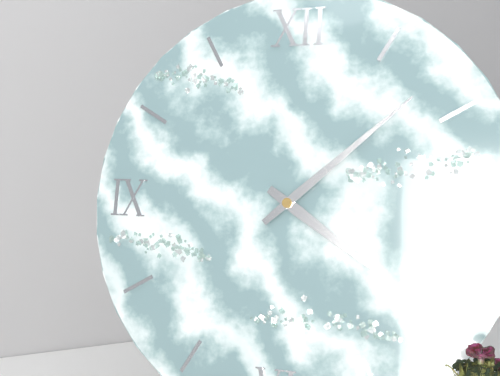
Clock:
4.08
